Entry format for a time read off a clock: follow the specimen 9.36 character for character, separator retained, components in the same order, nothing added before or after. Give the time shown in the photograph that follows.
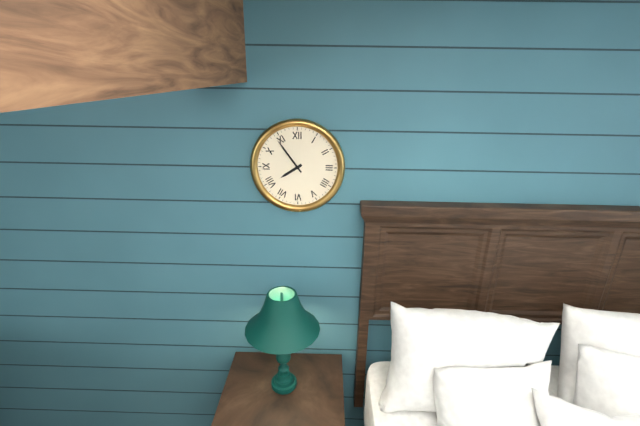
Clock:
7.54
